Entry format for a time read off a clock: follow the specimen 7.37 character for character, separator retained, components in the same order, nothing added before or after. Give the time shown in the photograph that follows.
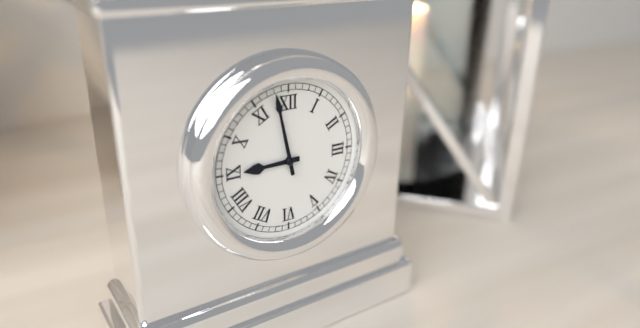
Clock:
8.58
